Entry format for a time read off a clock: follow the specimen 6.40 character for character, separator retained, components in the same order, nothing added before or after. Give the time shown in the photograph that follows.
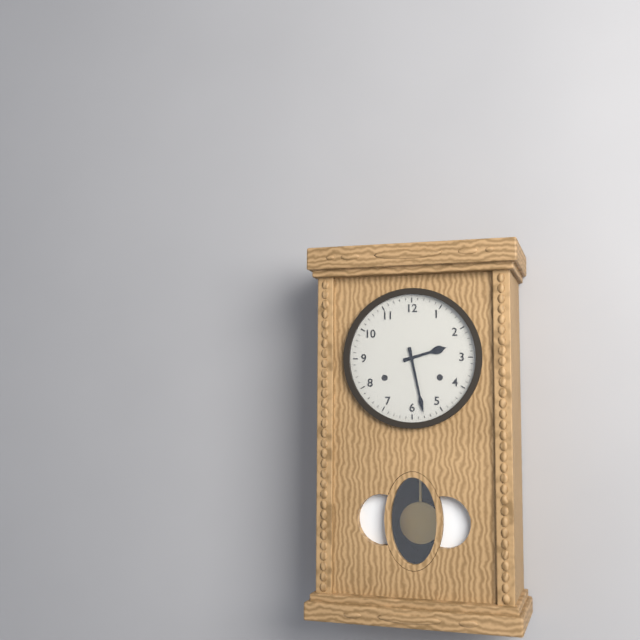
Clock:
2.28
